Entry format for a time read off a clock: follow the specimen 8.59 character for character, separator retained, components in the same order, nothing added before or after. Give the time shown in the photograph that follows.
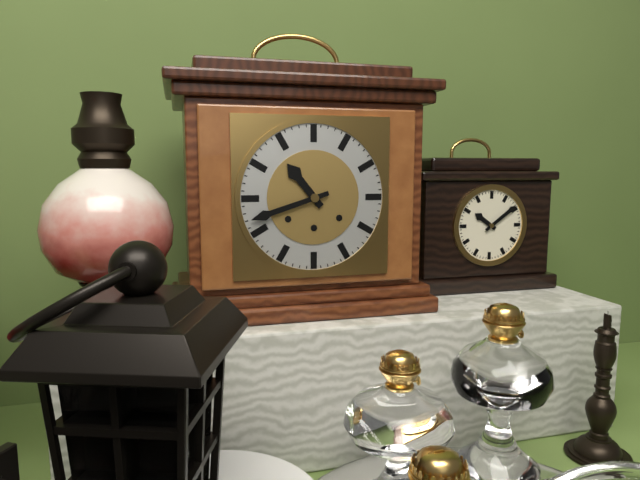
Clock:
10.42
